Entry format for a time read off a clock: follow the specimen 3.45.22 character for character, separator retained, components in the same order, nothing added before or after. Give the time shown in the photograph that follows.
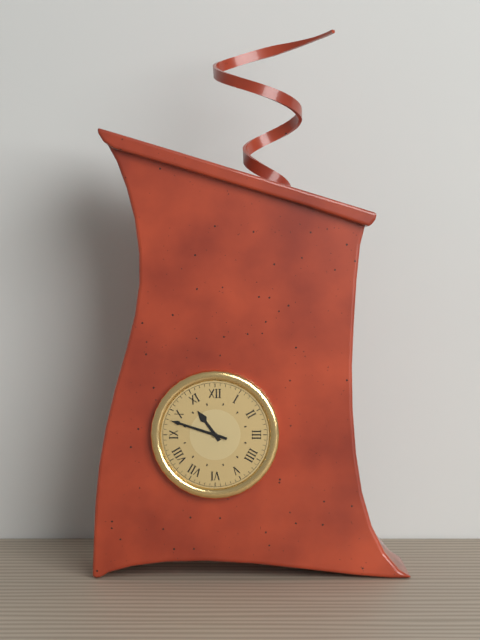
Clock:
10.48.48
